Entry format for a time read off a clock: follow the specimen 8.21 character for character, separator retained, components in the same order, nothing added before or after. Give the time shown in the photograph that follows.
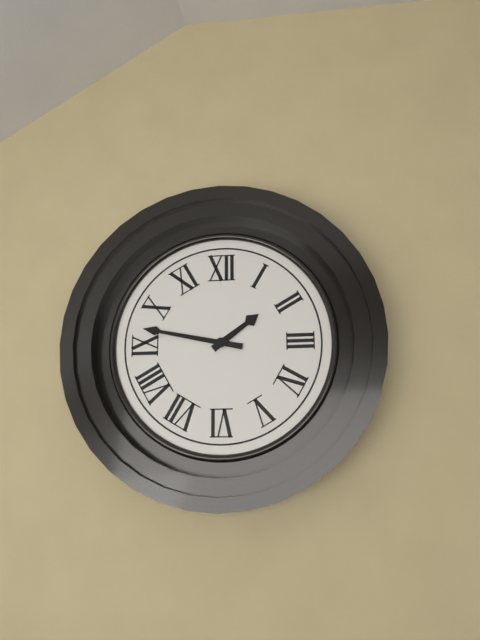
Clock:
1.47
